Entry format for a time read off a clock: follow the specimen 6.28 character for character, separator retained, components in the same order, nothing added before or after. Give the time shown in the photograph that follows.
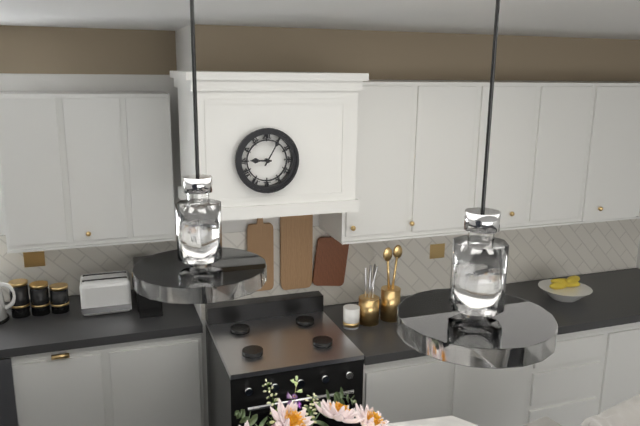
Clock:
9.05
